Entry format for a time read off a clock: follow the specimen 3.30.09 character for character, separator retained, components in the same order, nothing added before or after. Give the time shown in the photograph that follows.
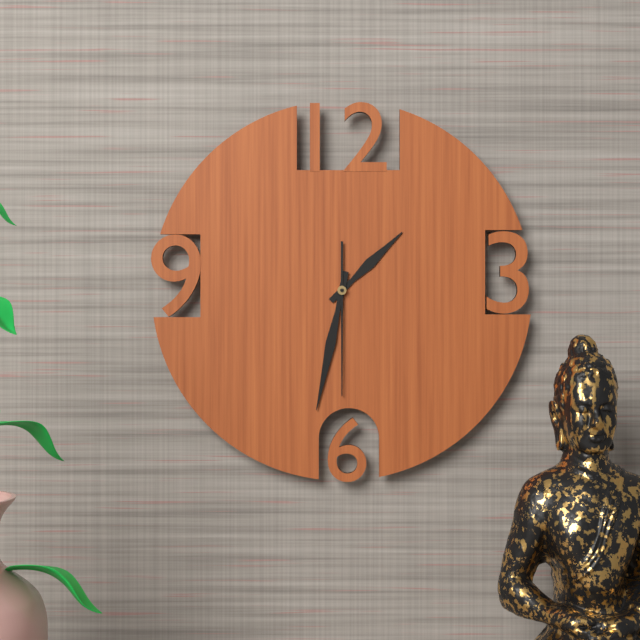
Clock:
1.32.30
